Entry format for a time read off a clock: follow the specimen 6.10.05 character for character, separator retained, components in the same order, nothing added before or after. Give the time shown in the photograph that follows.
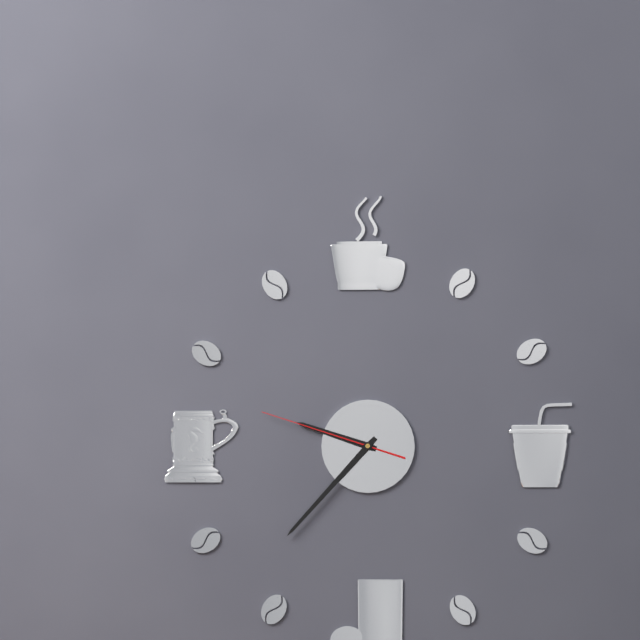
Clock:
9.37.48
